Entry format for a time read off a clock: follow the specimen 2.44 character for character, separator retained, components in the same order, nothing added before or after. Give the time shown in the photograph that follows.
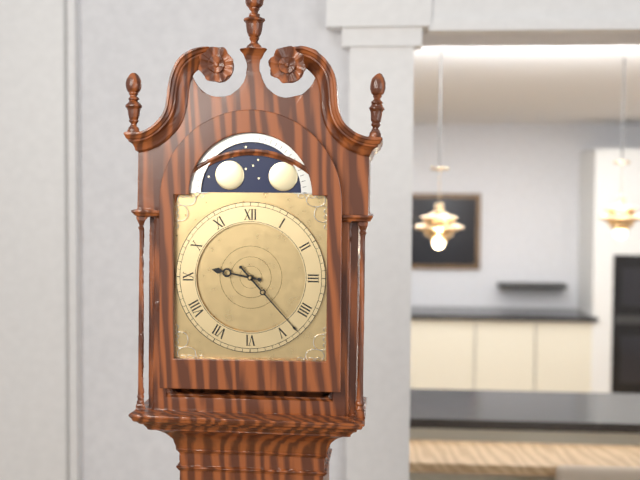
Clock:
9.23
